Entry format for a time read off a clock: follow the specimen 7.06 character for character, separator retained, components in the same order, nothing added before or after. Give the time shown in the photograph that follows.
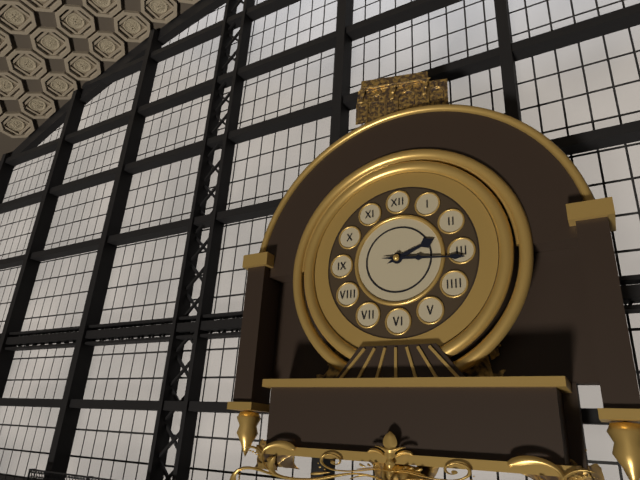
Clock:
2.16
